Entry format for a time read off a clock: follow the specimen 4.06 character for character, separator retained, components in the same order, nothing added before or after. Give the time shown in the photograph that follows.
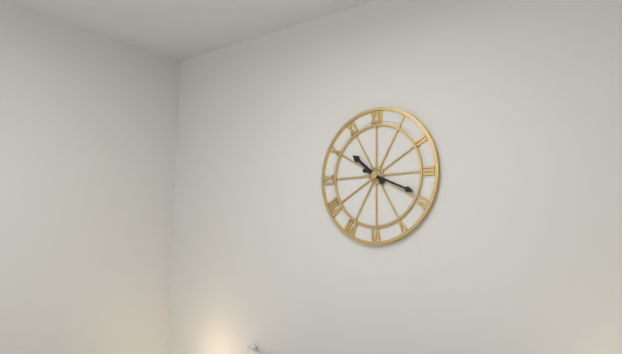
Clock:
10.19
